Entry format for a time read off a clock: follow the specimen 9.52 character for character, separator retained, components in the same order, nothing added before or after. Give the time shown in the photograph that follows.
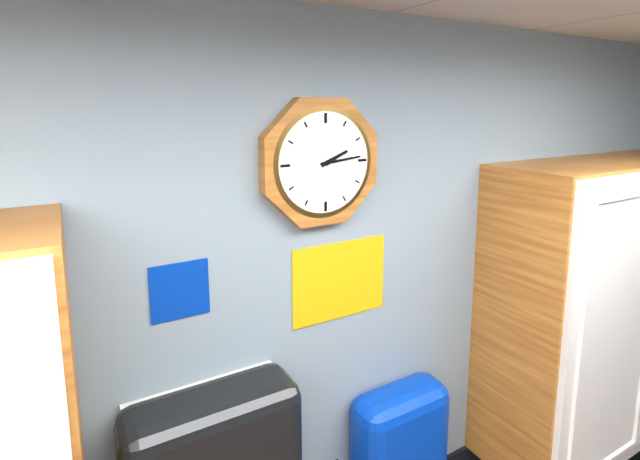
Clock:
2.14
